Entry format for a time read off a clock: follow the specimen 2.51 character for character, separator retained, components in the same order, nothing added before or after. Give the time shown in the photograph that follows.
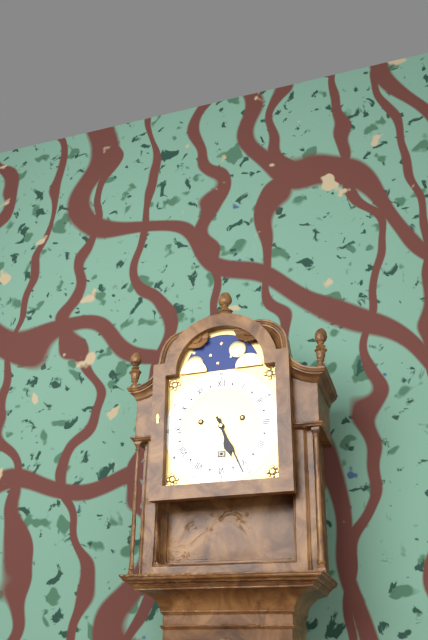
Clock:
5.26
